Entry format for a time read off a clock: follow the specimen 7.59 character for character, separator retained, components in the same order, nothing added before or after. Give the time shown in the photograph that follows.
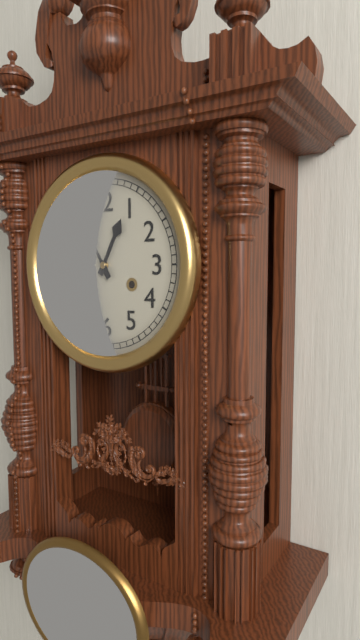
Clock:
12.55
